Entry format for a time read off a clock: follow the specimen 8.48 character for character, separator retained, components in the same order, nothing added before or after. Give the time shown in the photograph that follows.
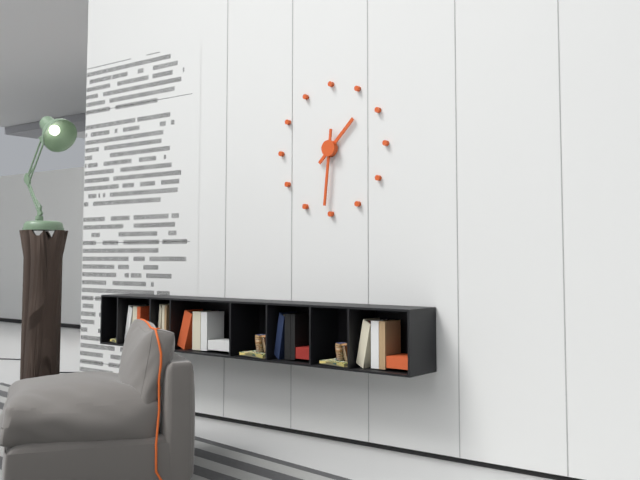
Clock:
1.31
